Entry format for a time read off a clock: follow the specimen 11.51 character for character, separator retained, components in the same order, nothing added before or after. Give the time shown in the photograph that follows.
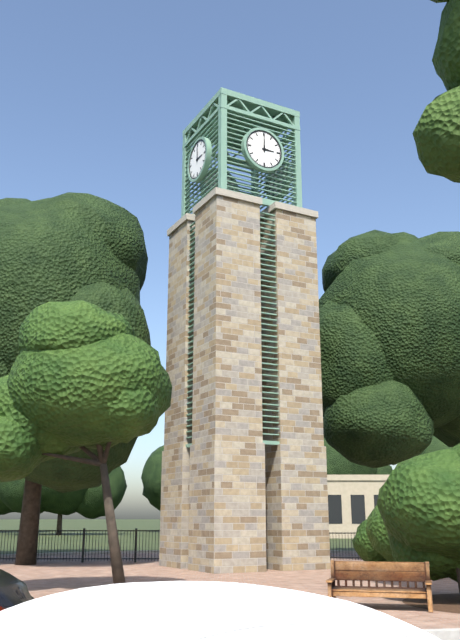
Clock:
3.00
